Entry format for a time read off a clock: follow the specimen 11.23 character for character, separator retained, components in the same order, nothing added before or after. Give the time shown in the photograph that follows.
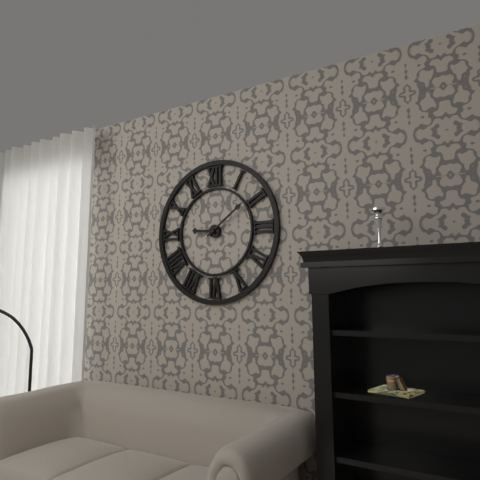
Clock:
9.09
